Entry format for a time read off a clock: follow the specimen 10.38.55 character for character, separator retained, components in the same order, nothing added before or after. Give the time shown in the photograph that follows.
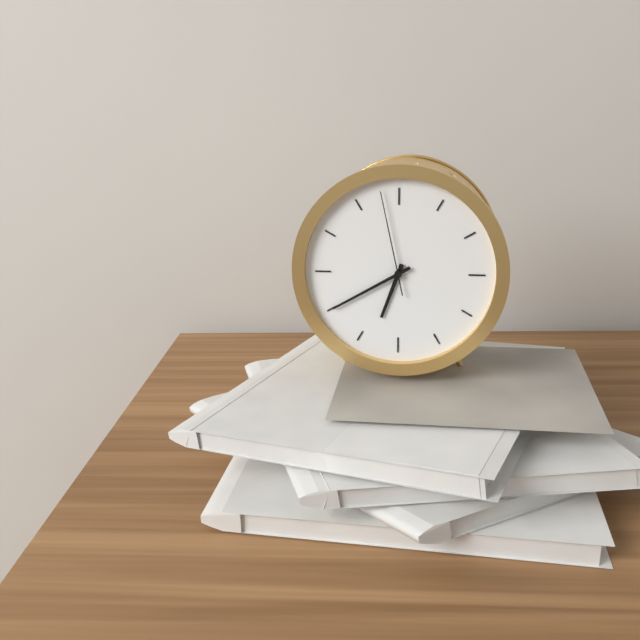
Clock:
6.40.58
